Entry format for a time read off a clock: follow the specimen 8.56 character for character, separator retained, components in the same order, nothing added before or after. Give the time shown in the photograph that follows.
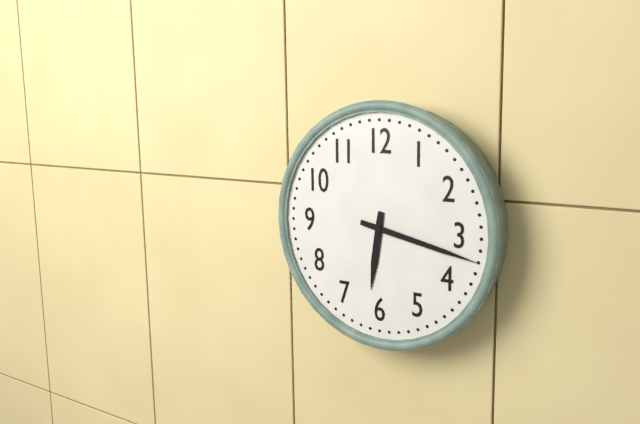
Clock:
6.17
